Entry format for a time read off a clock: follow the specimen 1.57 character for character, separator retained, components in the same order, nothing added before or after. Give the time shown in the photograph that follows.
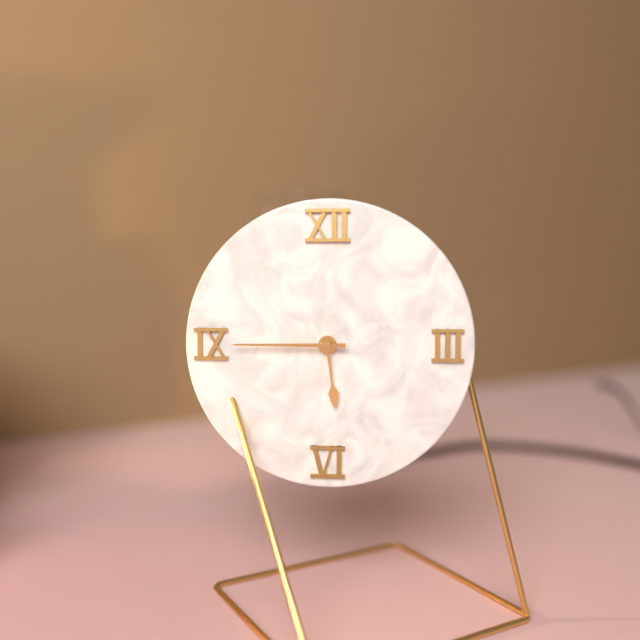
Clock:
5.45
